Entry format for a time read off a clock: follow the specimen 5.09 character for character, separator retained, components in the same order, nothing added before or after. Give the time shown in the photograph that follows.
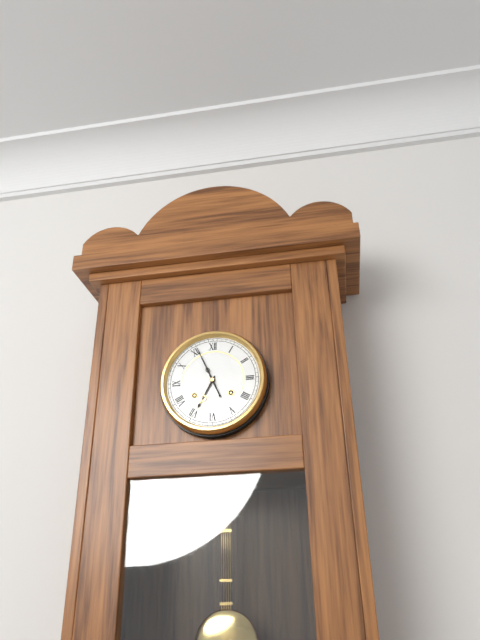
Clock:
6.56
